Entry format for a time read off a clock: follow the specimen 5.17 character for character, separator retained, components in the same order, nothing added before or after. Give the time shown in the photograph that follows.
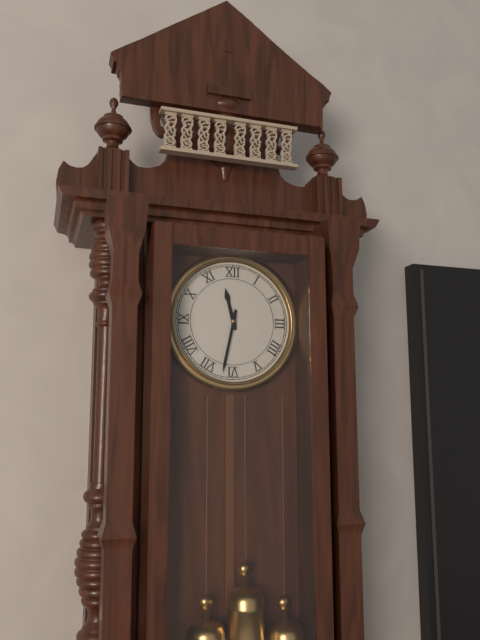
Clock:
11.32
